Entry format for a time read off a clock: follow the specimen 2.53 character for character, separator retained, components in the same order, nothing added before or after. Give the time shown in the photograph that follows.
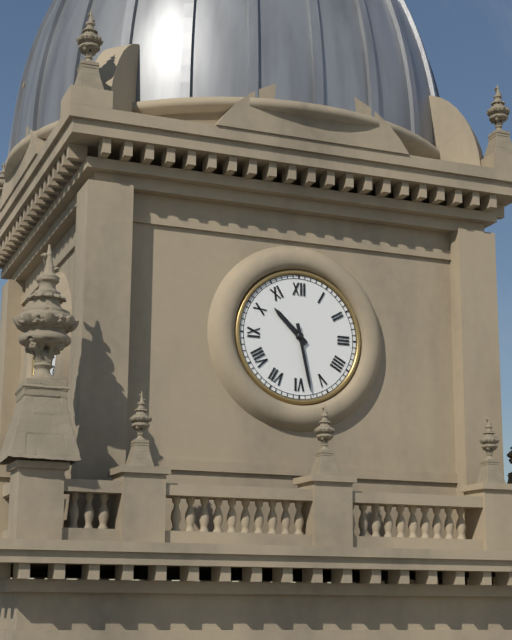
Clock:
10.28
